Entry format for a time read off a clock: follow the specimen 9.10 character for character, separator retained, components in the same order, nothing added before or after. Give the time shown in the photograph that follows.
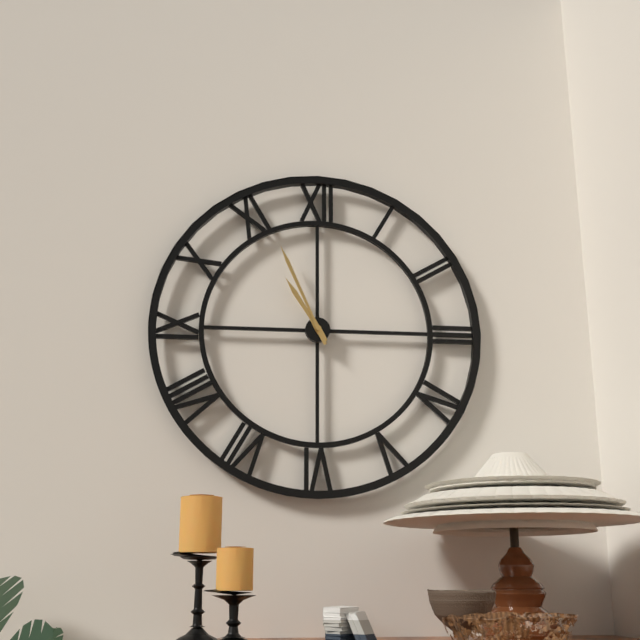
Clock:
10.56
